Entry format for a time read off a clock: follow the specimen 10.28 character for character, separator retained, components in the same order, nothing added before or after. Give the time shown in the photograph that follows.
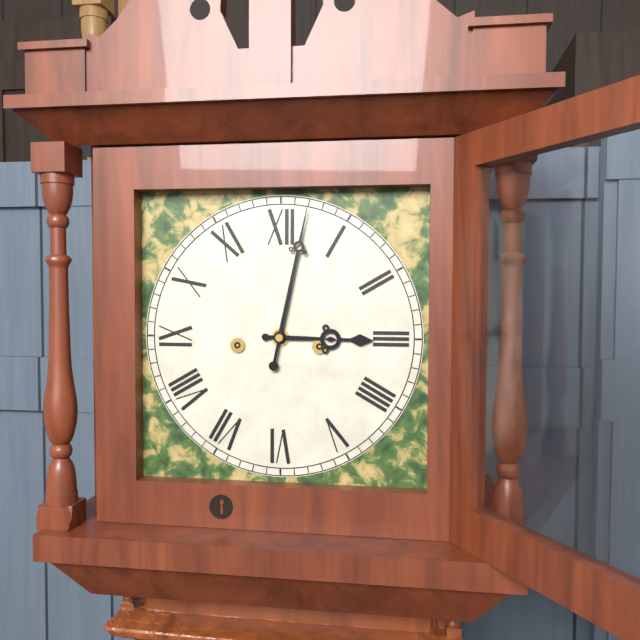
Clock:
3.02
